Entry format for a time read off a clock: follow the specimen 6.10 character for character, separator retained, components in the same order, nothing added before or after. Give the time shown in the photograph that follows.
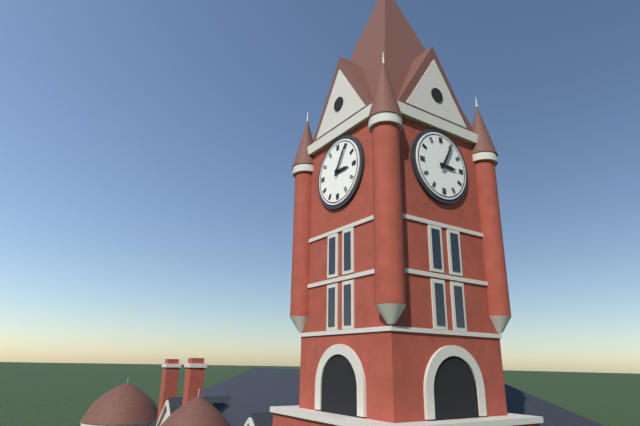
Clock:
3.05
